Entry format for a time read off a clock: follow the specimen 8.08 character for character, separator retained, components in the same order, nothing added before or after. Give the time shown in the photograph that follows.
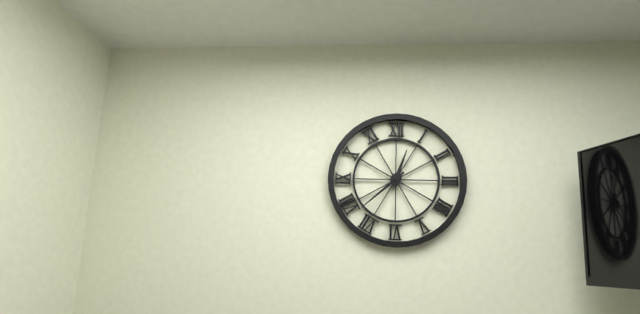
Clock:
12.38
